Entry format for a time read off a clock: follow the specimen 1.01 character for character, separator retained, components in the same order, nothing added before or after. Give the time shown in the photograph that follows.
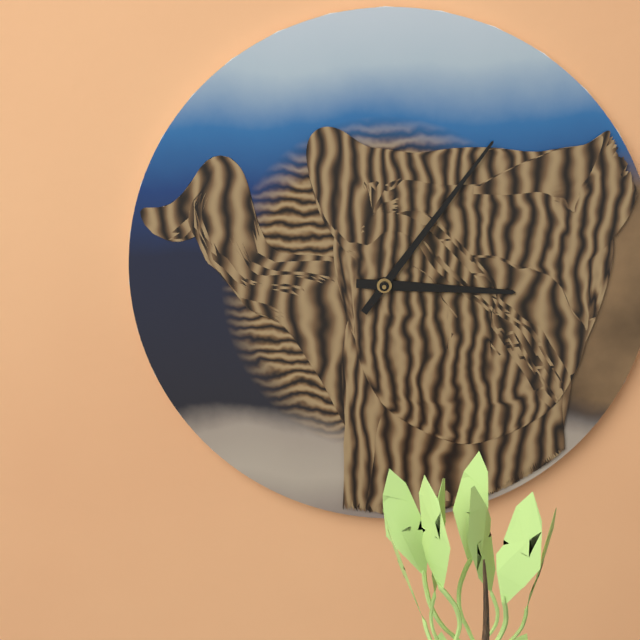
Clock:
3.06
